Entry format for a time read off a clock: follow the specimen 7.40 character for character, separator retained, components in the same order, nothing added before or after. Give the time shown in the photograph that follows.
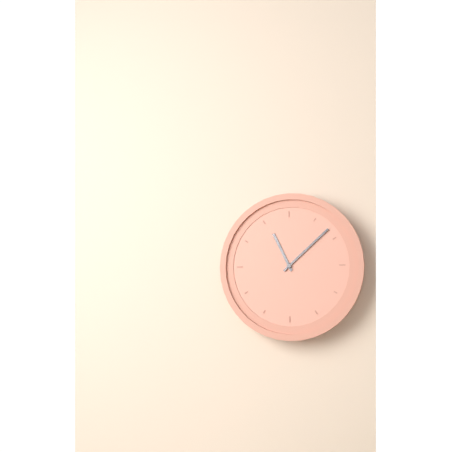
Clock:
11.08
